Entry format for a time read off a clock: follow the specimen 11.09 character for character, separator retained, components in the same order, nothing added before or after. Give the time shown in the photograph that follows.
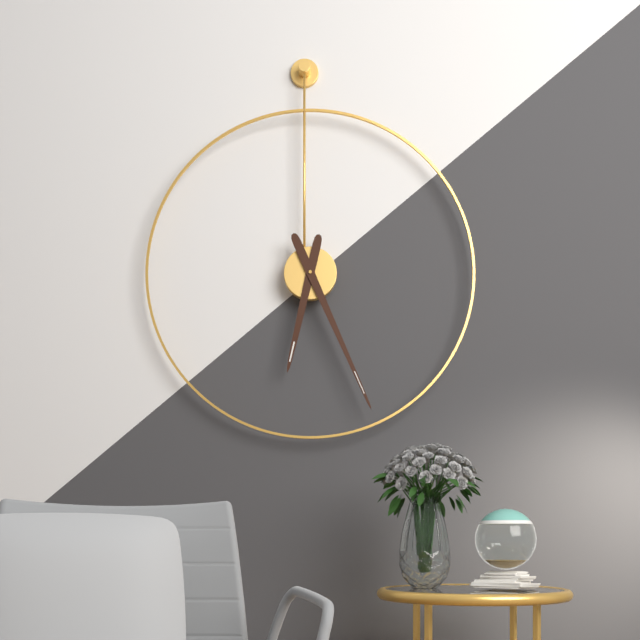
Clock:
6.26
